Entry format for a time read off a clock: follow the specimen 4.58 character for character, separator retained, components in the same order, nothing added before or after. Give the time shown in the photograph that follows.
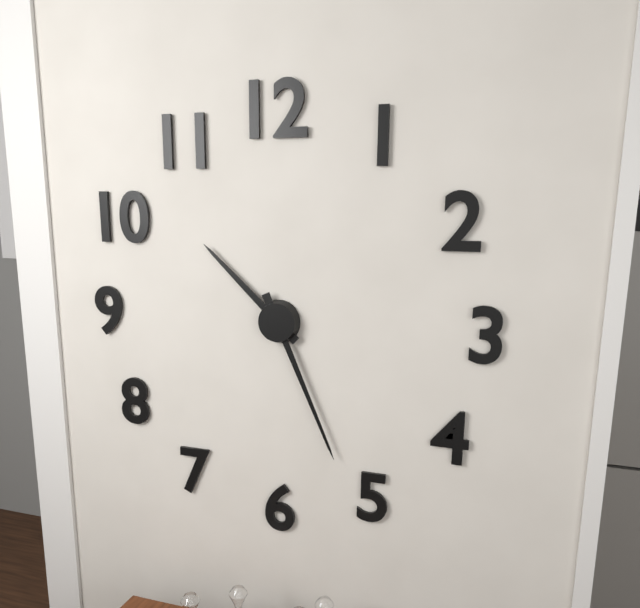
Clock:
10.26
